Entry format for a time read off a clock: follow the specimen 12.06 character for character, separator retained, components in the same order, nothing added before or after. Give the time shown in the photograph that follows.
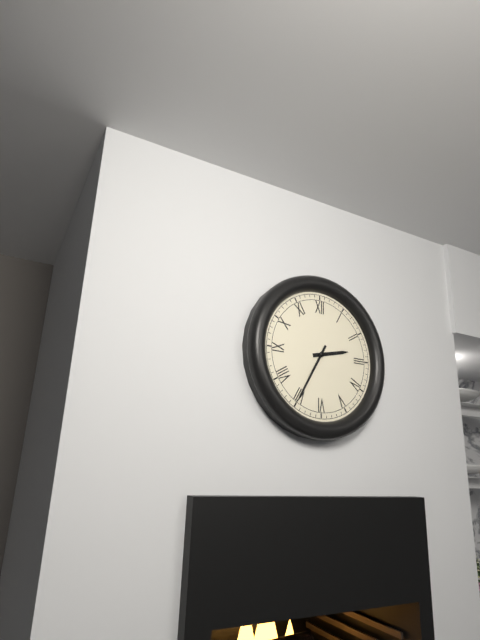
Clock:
2.35
